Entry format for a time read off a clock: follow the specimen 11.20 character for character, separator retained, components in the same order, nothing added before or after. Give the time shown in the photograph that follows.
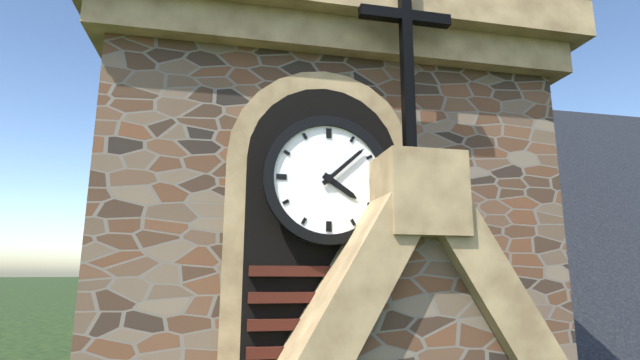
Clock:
4.08
